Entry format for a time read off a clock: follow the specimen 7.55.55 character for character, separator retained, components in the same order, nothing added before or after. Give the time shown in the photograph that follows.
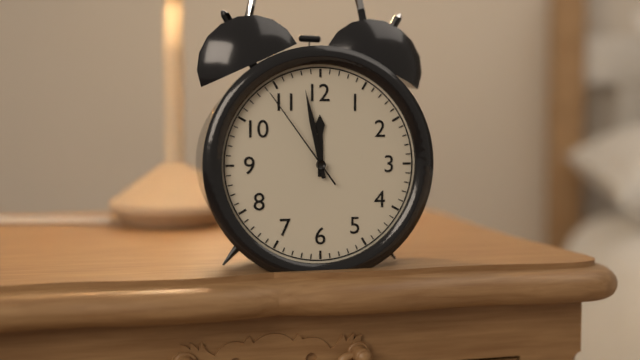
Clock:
11.58.54
